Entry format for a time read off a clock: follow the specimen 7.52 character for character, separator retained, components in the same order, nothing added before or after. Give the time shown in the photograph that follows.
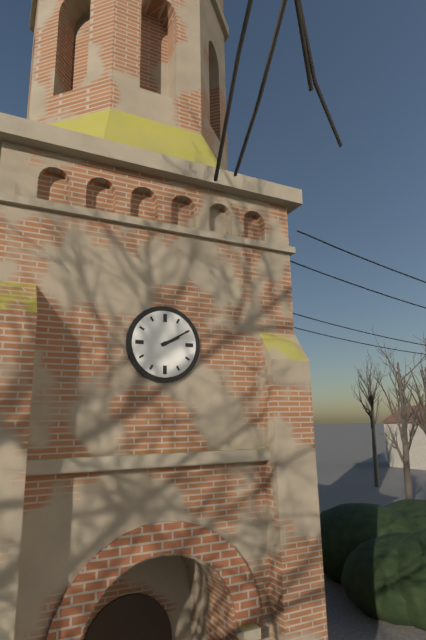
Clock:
2.10
